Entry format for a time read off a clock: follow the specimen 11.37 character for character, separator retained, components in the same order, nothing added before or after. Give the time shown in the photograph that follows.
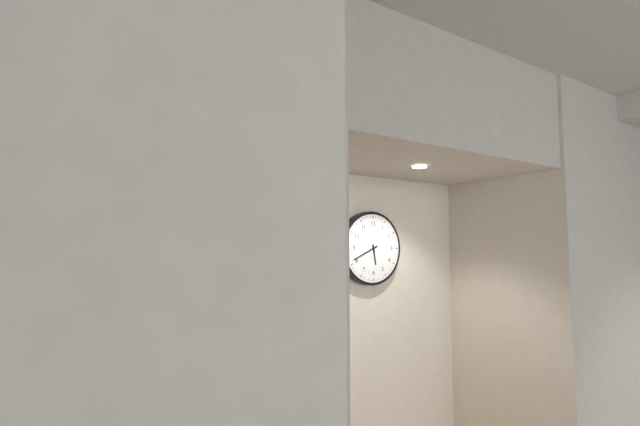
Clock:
5.41
